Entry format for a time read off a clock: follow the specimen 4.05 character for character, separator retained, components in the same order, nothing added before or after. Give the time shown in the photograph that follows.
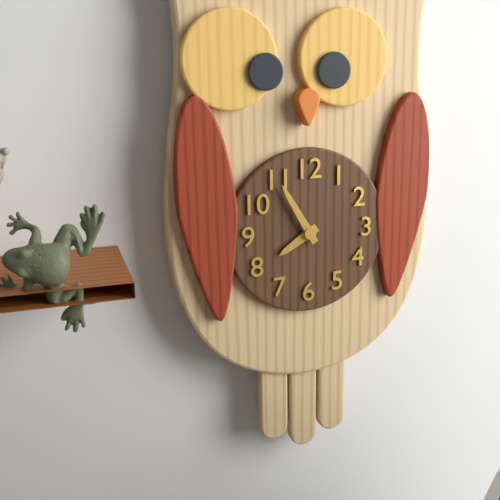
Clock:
7.55
